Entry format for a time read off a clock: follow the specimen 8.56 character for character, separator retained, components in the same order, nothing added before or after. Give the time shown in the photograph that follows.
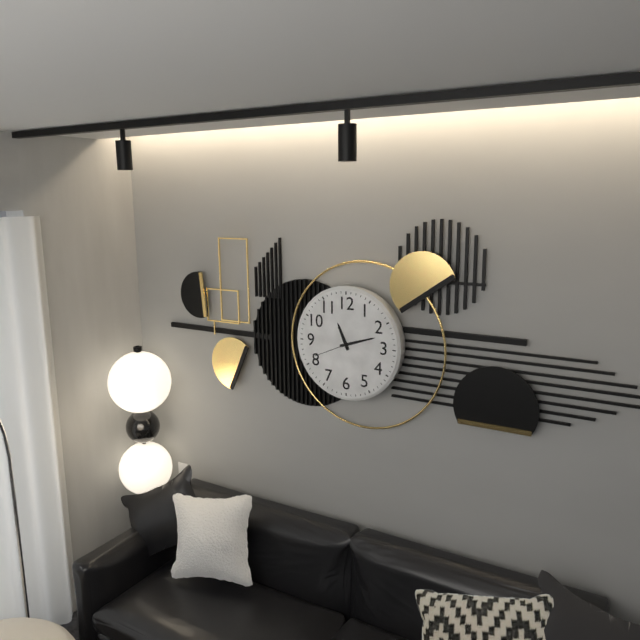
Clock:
11.12
